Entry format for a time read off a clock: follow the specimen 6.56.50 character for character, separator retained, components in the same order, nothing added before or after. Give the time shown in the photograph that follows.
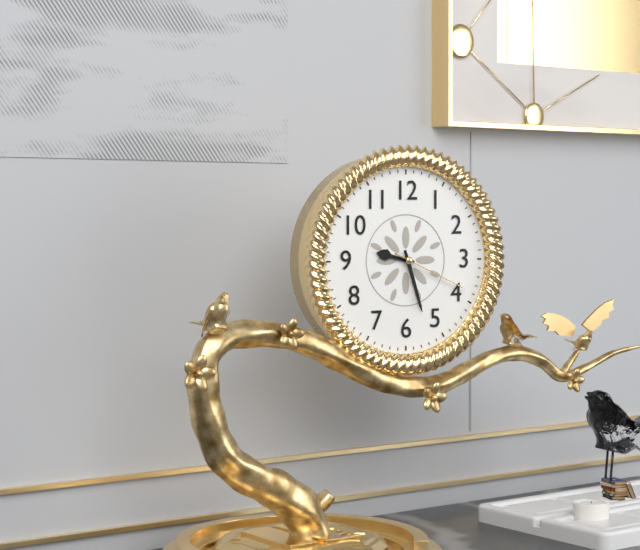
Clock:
9.27.19
